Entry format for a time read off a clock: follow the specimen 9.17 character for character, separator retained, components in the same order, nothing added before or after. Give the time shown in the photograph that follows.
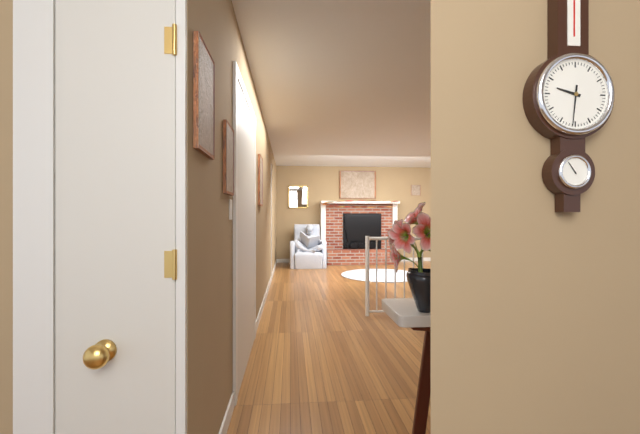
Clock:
9.31
